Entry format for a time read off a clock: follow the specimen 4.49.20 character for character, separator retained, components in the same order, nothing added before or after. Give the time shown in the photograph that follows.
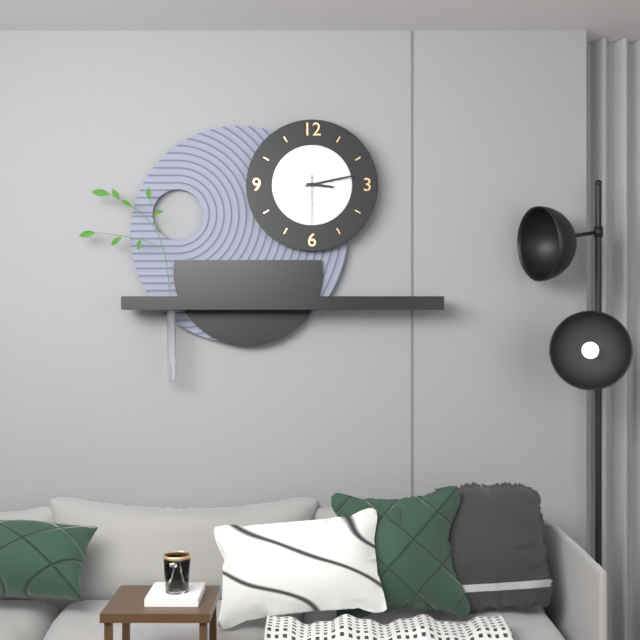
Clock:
3.13.30
